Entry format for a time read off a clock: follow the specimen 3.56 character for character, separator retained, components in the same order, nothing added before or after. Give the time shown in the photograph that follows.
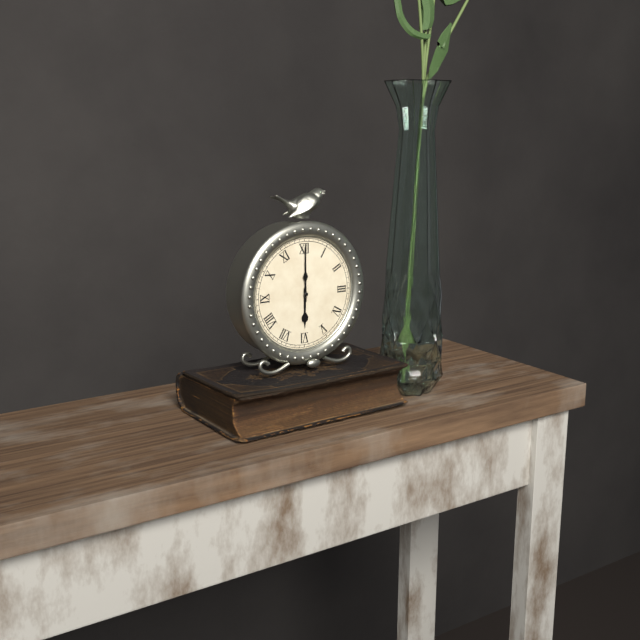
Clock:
6.00
